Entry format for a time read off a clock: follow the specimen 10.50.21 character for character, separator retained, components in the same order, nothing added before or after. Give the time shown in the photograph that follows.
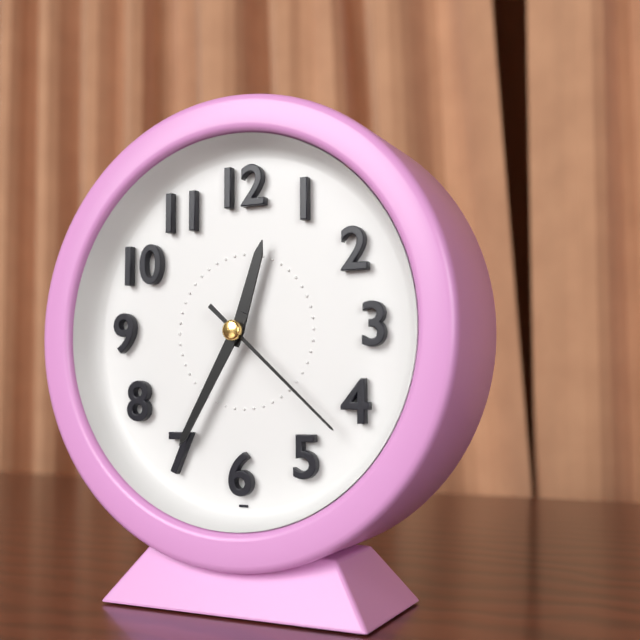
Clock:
12.35.22
